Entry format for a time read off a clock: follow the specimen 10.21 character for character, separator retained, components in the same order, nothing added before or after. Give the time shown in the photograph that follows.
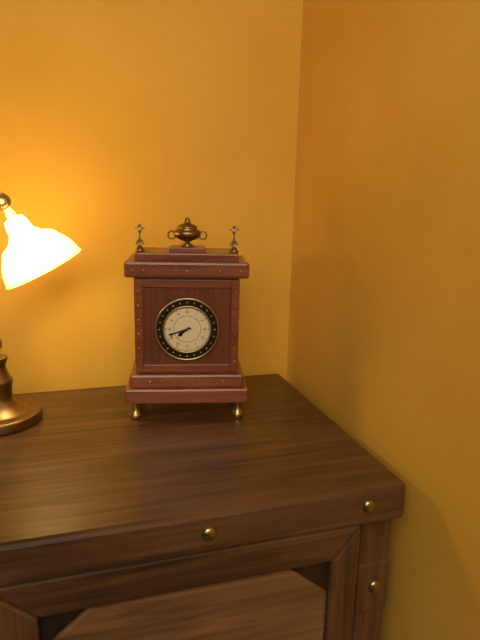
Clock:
7.42
